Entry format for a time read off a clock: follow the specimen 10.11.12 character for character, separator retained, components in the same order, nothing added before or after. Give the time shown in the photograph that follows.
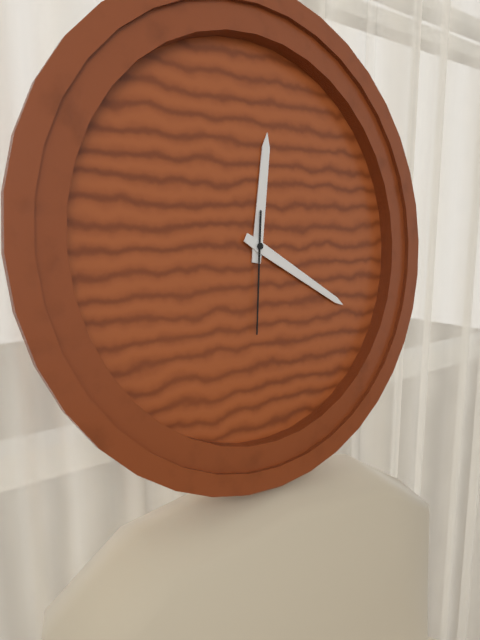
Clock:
12.20.31
